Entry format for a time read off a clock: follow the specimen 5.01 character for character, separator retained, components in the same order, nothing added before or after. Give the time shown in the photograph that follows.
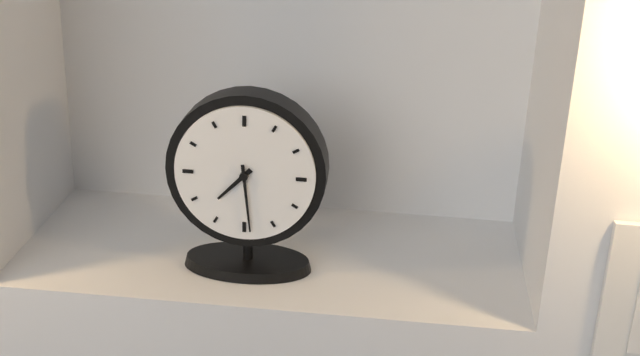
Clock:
7.29
